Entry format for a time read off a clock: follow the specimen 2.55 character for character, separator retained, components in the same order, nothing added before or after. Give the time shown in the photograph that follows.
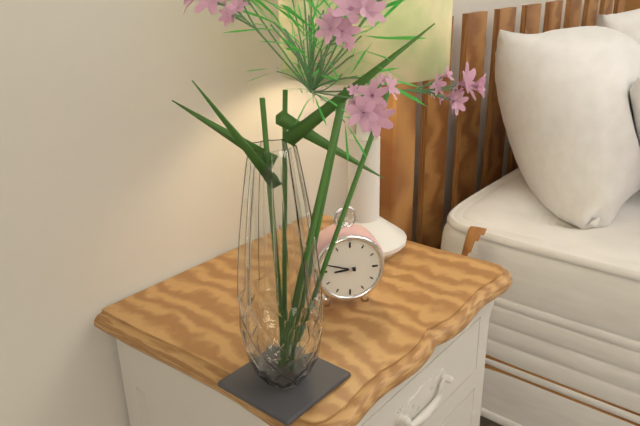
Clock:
8.48
